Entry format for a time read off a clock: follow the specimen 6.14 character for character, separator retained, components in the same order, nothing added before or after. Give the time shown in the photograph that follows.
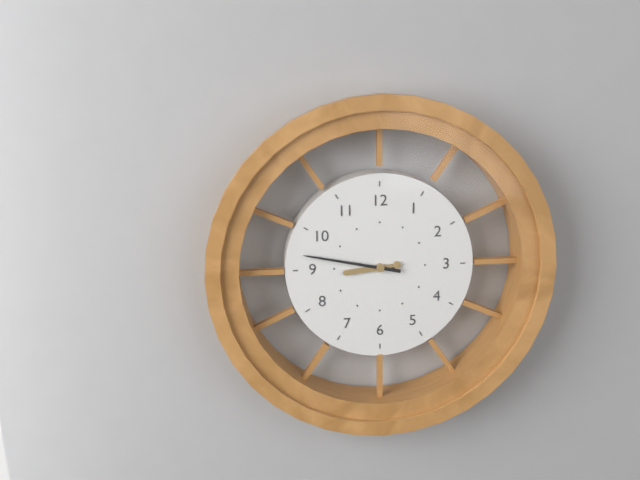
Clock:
8.47
